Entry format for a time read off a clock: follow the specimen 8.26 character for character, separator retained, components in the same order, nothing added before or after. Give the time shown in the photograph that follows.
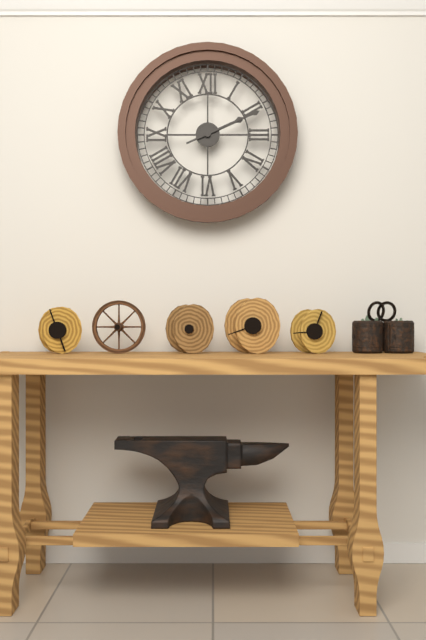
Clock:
2.11
